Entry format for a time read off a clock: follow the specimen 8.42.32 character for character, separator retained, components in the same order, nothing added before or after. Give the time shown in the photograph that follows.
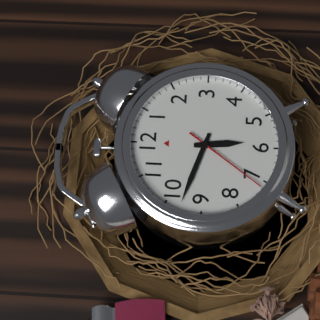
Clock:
5.48.36
